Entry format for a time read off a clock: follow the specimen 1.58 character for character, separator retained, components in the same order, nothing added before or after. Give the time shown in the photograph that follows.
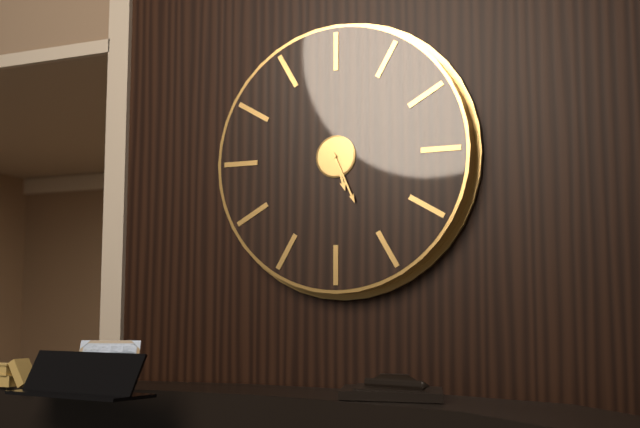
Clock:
5.26
